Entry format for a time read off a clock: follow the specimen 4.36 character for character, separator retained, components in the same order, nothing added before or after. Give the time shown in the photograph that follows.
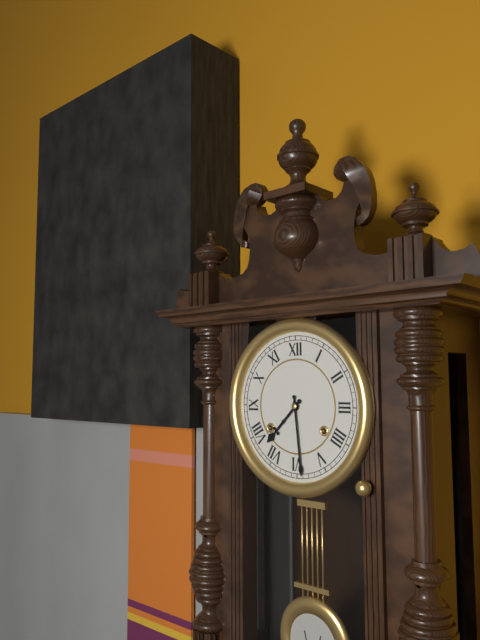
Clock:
7.29
